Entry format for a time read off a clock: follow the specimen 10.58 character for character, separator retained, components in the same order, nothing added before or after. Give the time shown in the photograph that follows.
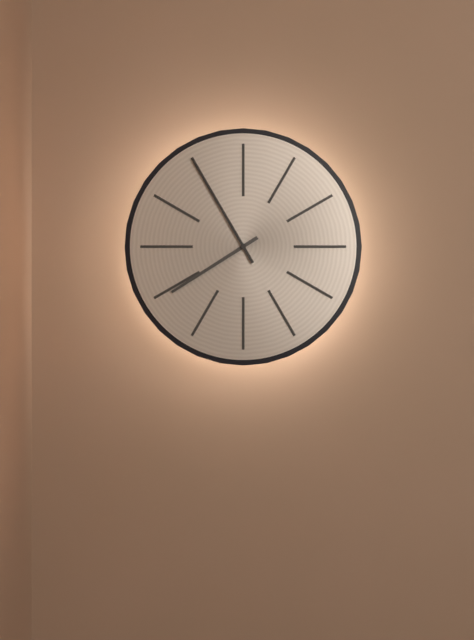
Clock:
7.55
